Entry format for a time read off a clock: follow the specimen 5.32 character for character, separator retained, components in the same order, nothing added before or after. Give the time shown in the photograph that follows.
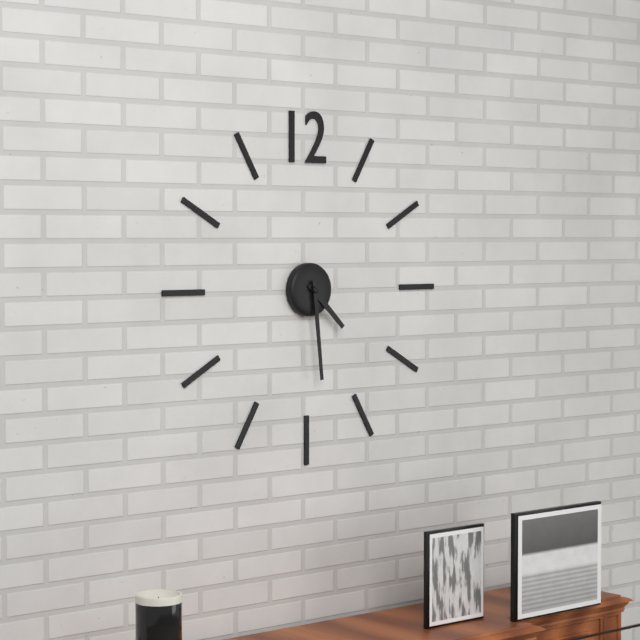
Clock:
4.29
